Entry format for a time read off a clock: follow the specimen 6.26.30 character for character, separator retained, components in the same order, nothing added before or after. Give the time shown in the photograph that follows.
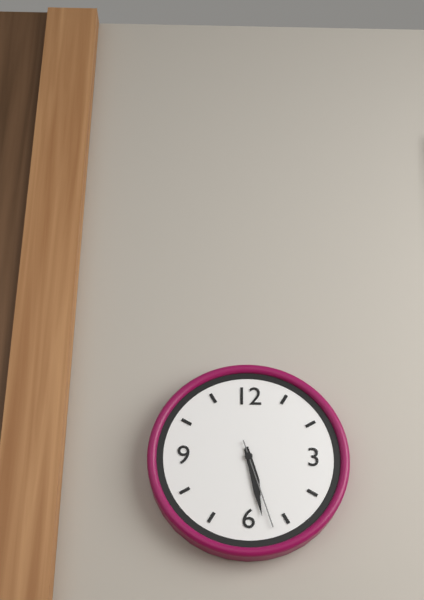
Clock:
5.28.27
